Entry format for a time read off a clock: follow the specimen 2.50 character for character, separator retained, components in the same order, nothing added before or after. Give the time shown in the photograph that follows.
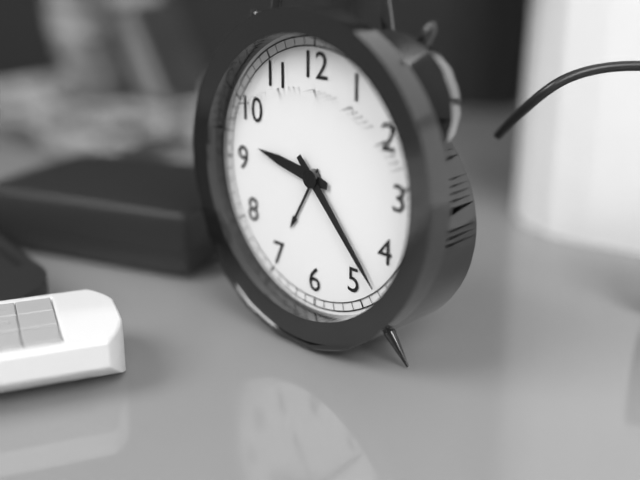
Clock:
9.23
